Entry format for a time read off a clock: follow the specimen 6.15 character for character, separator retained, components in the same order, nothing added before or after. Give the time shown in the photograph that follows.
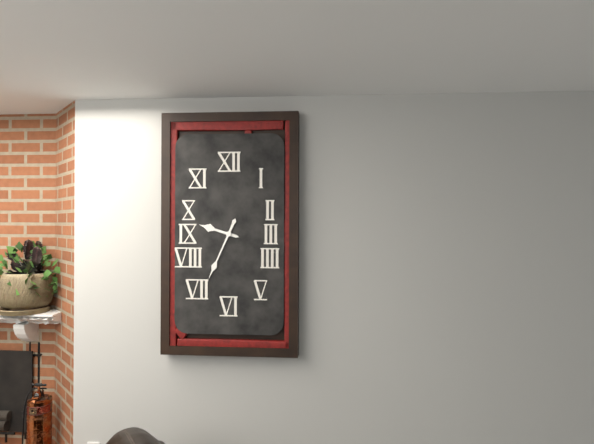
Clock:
9.34
